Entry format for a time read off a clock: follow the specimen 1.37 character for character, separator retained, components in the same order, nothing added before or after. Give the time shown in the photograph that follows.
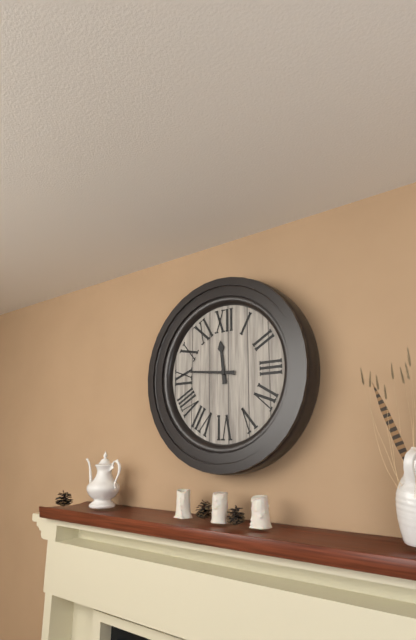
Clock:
11.46
